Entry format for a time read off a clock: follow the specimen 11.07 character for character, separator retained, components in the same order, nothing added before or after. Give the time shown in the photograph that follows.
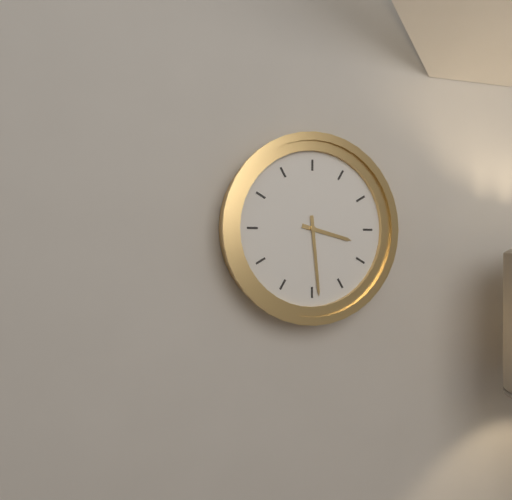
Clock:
3.29
